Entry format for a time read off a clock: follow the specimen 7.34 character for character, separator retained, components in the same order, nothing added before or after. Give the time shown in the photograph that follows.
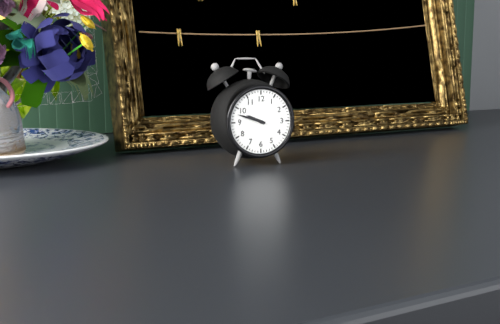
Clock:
9.48
